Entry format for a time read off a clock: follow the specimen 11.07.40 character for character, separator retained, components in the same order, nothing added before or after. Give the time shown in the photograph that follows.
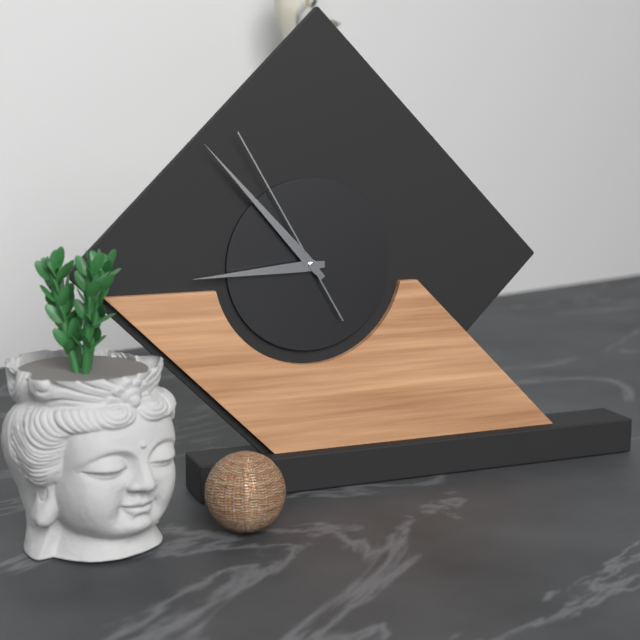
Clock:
8.53.55
